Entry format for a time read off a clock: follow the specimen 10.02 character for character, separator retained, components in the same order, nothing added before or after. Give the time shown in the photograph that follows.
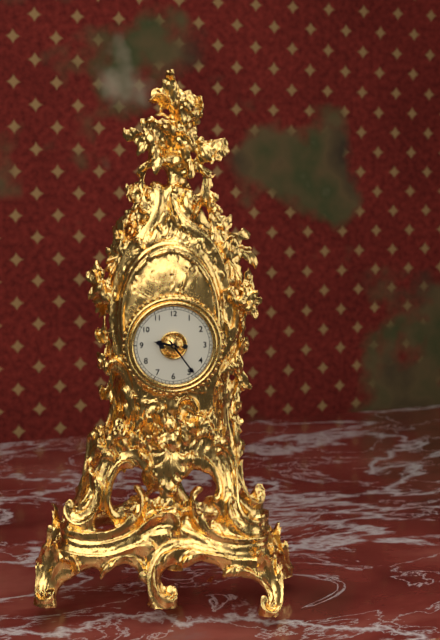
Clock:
9.24
